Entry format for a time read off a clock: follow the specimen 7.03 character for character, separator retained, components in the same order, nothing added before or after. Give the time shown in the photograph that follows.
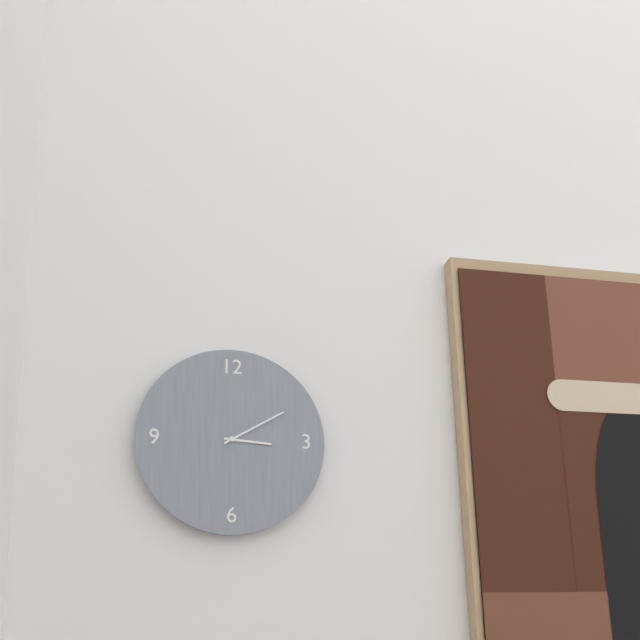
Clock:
3.10
